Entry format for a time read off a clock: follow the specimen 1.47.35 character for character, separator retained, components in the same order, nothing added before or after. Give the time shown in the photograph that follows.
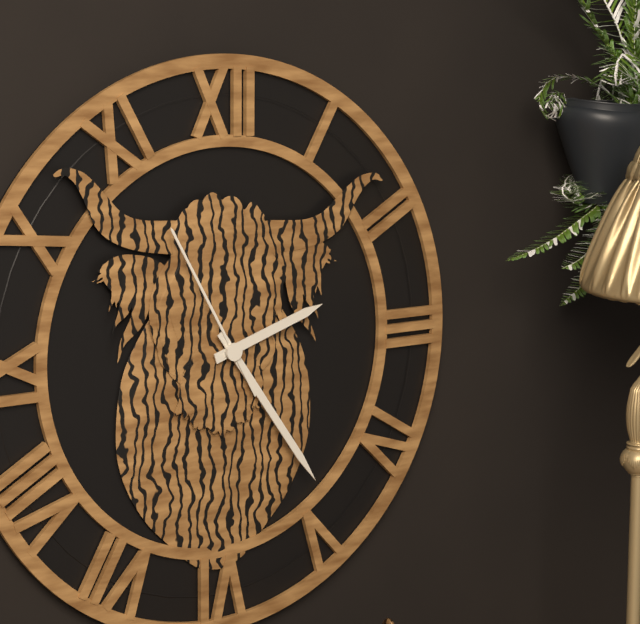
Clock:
2.24.55
